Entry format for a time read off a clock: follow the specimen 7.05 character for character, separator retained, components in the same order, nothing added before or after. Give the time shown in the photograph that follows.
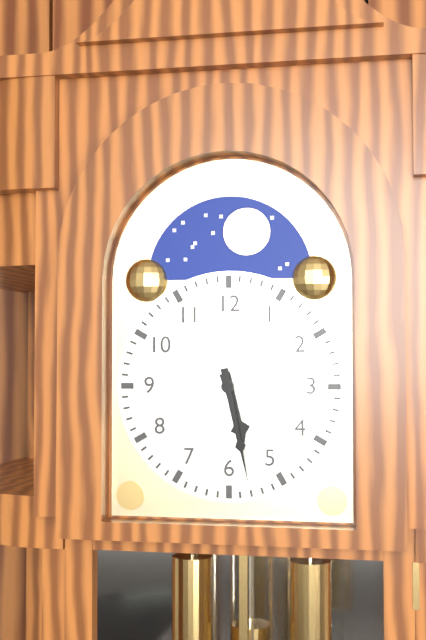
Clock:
5.28
